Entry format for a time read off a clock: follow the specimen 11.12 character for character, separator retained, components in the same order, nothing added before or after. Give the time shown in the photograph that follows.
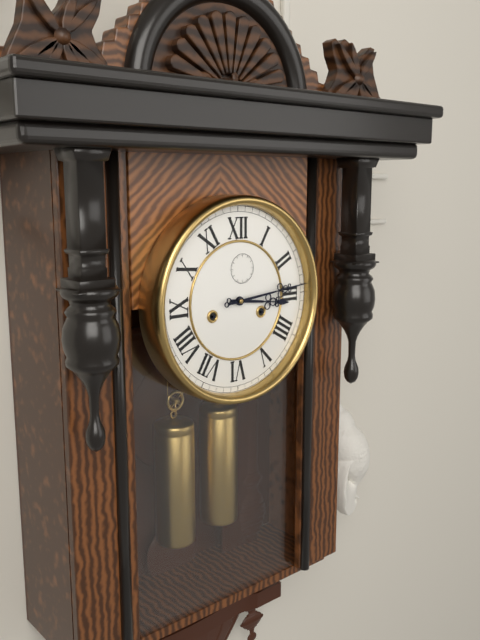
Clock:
3.14
